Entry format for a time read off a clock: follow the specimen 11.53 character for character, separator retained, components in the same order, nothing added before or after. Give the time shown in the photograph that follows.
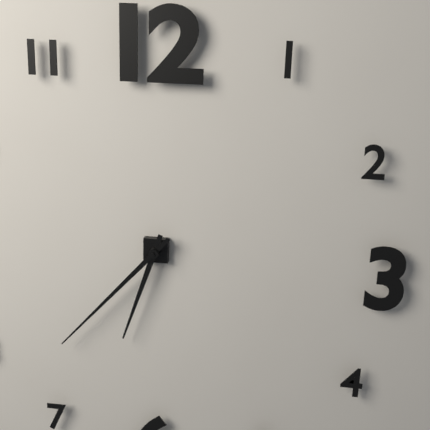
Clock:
6.37
